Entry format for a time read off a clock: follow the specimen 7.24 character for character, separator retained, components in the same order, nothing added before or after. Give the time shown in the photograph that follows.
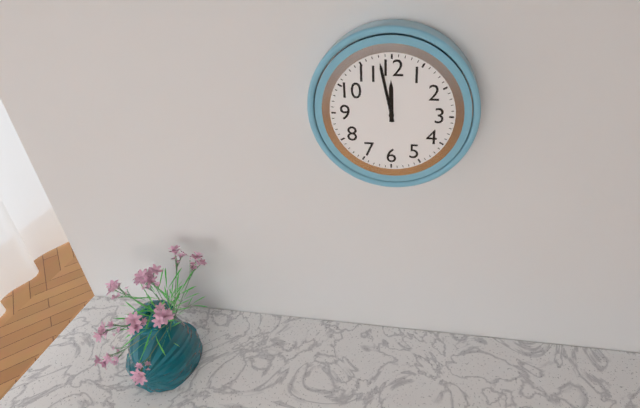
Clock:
11.58
